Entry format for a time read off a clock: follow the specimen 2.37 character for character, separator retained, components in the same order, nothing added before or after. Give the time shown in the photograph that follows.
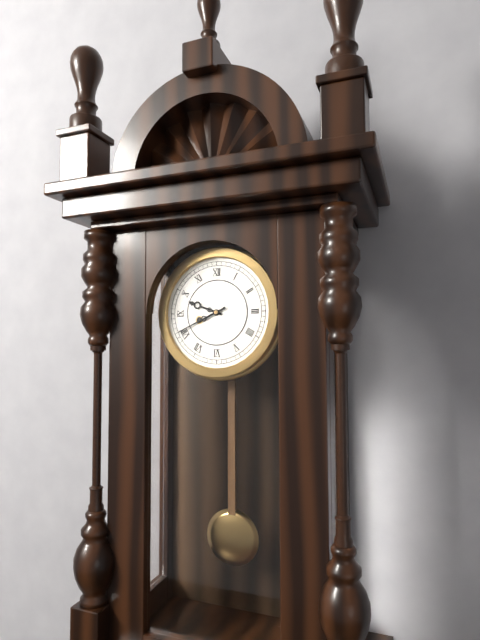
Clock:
9.41
